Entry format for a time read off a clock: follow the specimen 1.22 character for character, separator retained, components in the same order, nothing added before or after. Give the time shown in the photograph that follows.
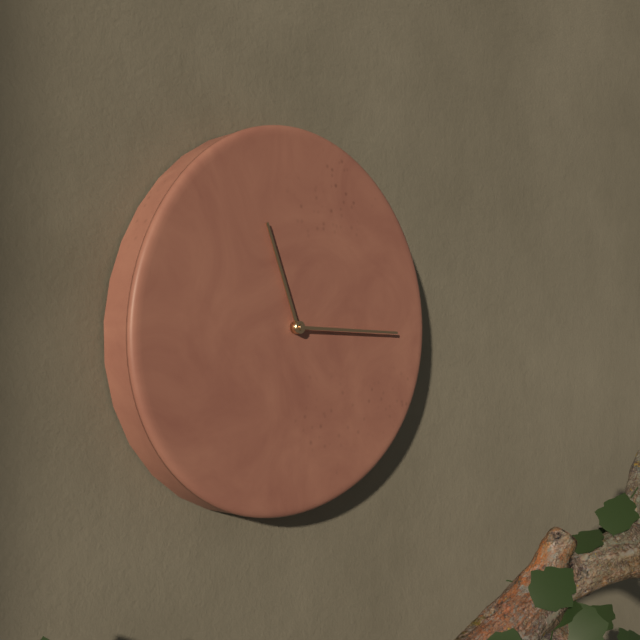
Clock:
11.15
